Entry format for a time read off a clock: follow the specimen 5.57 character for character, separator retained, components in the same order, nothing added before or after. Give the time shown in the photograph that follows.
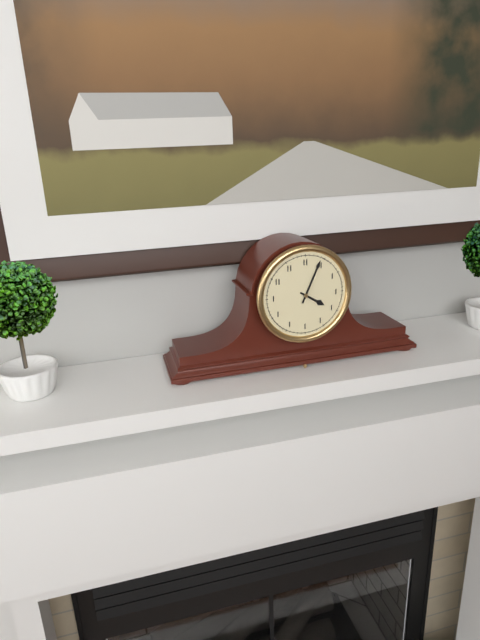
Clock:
4.04
